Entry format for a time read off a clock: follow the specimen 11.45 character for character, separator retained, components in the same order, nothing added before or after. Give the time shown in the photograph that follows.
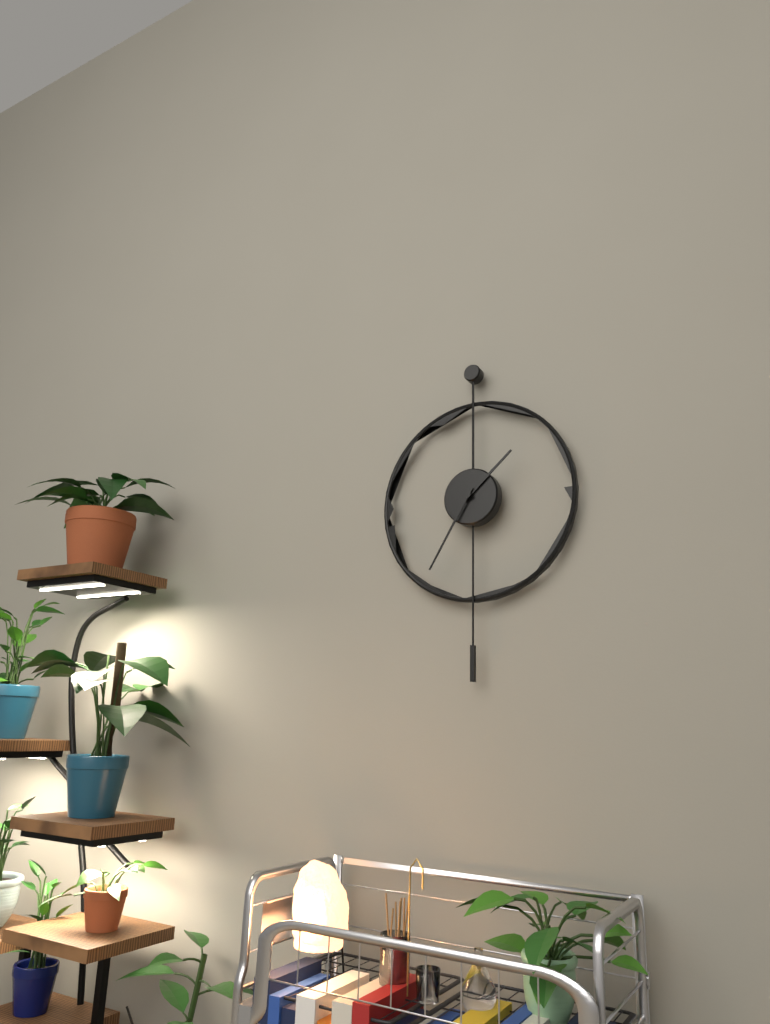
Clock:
1.35
